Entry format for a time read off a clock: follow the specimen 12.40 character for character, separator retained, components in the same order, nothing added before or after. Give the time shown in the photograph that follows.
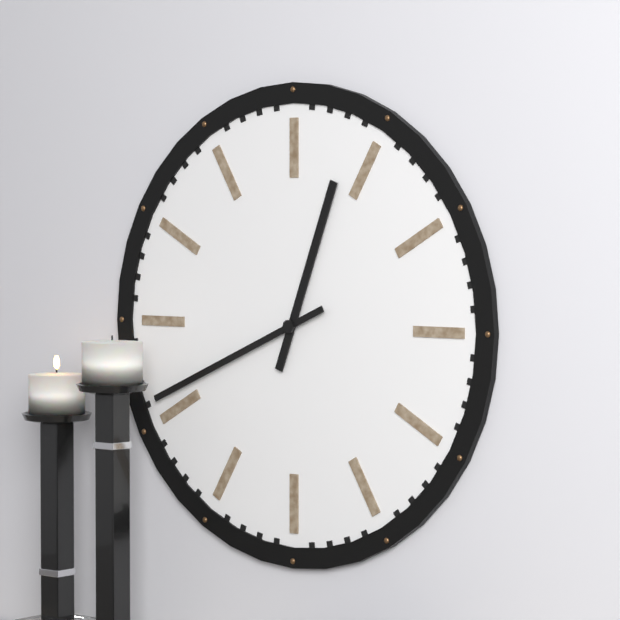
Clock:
12.41
